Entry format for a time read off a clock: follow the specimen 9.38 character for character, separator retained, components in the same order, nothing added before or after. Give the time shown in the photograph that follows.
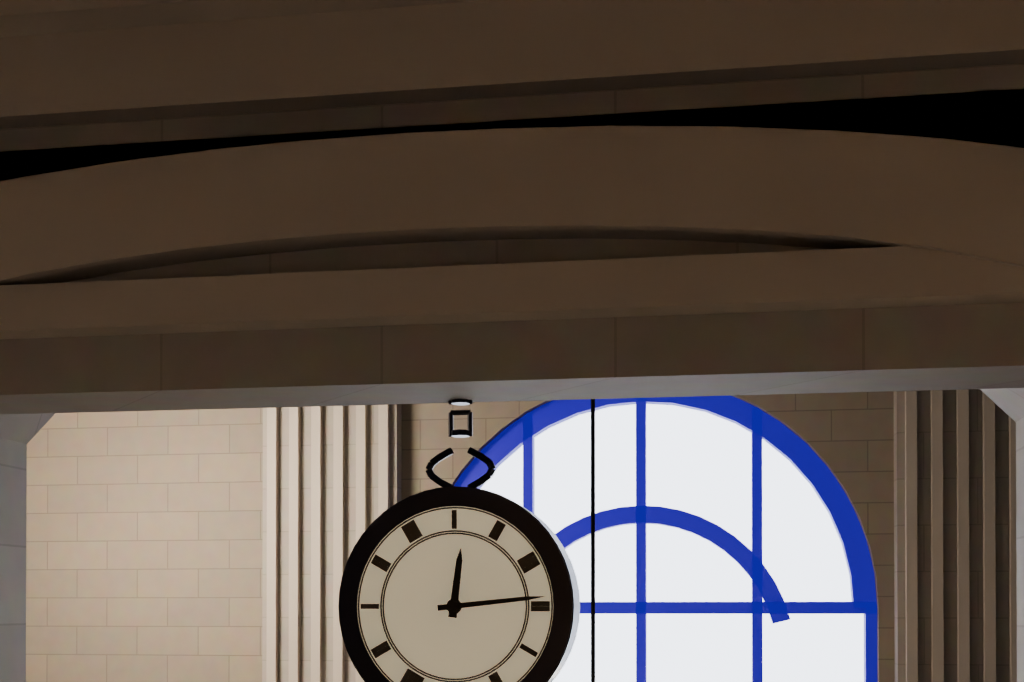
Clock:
12.14
